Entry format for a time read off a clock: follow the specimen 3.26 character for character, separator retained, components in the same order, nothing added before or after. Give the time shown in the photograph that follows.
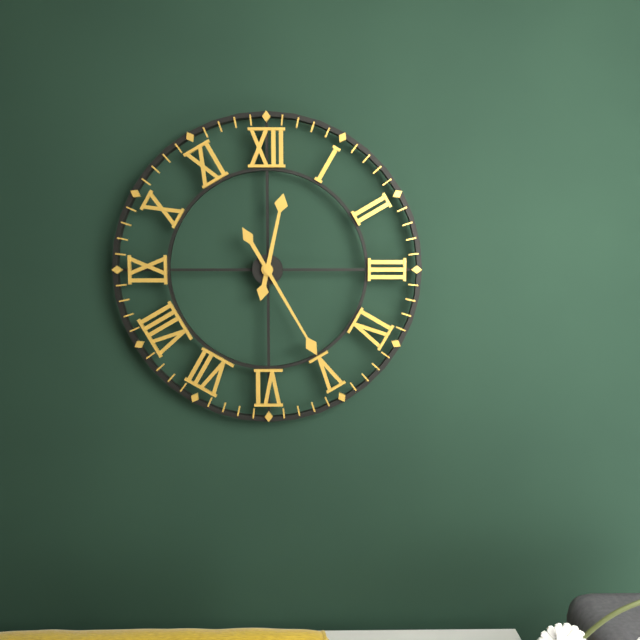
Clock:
12.25
